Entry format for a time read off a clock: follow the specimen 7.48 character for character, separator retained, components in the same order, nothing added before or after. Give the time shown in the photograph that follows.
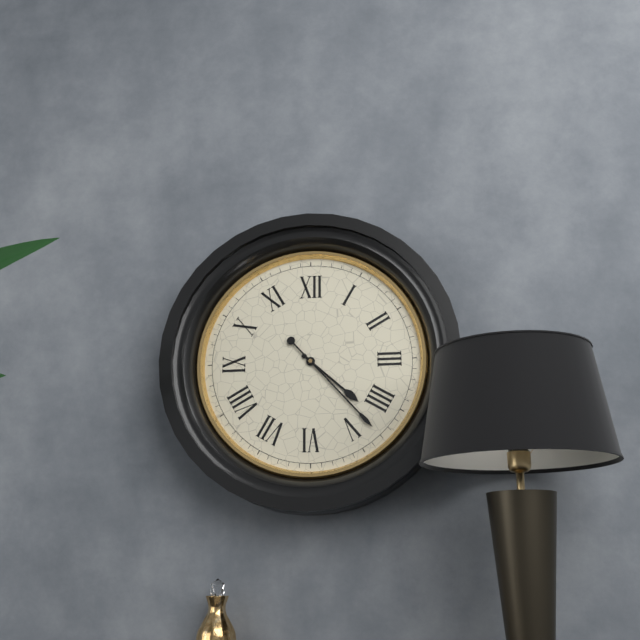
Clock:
4.23
